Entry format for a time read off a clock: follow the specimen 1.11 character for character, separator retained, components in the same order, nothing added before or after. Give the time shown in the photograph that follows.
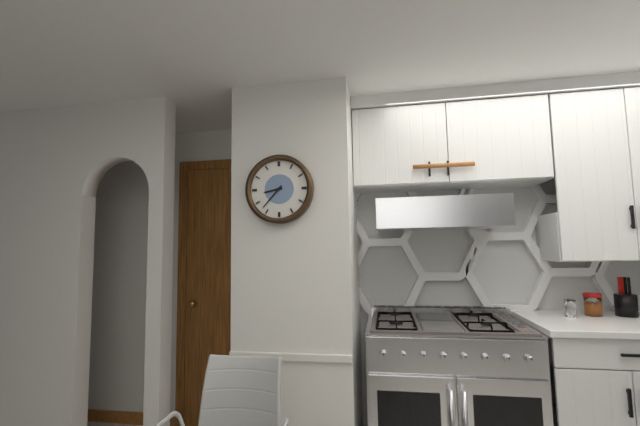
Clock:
8.37
